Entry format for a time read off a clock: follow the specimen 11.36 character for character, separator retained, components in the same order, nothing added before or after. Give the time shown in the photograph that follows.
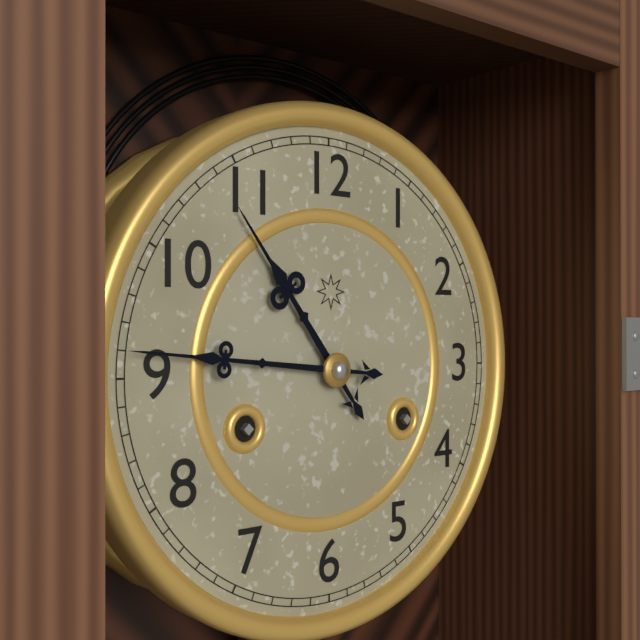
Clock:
10.46
